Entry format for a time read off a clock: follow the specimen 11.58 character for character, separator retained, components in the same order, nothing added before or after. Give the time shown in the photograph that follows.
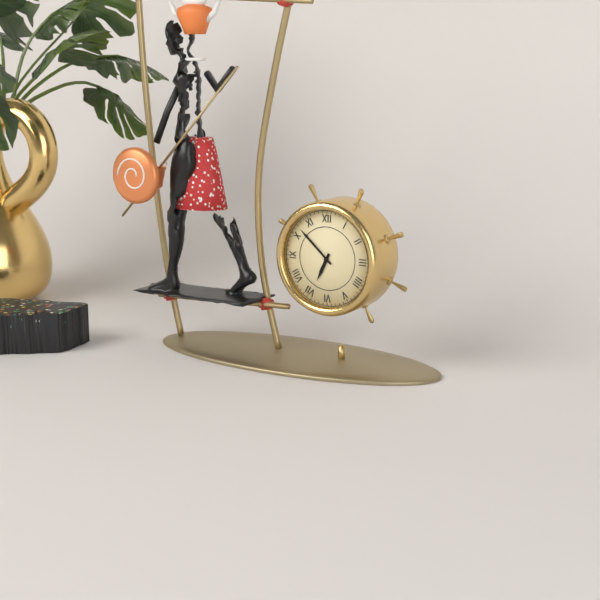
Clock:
6.52
